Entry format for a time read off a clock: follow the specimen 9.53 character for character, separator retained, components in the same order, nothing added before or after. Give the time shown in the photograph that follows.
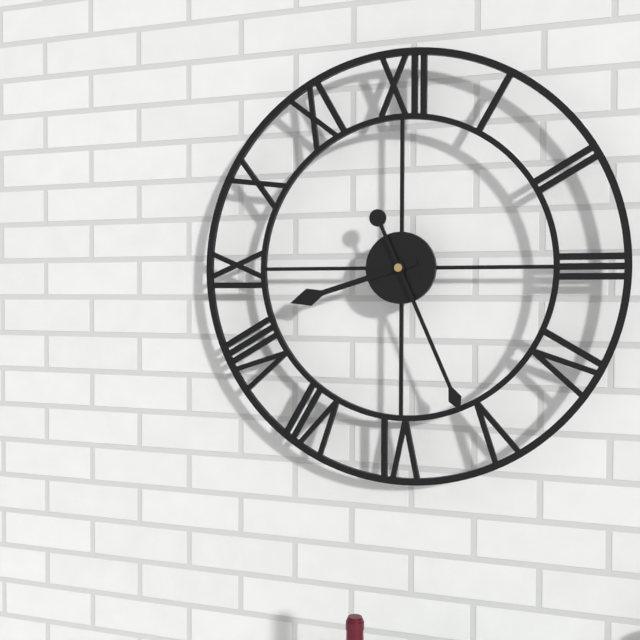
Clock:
8.26
